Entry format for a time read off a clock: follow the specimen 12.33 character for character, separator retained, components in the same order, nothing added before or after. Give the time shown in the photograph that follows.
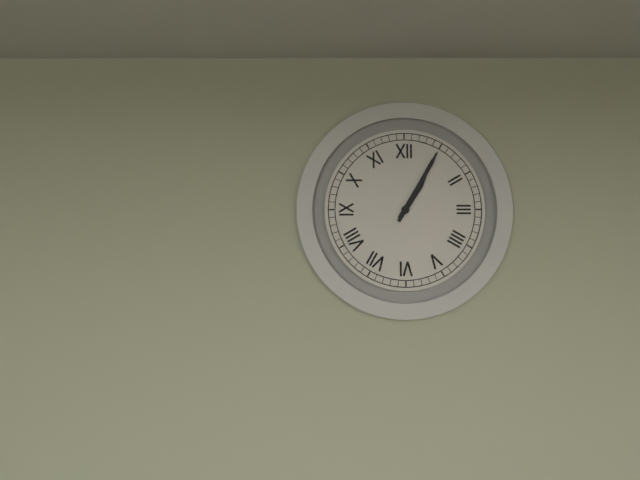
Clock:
1.05
